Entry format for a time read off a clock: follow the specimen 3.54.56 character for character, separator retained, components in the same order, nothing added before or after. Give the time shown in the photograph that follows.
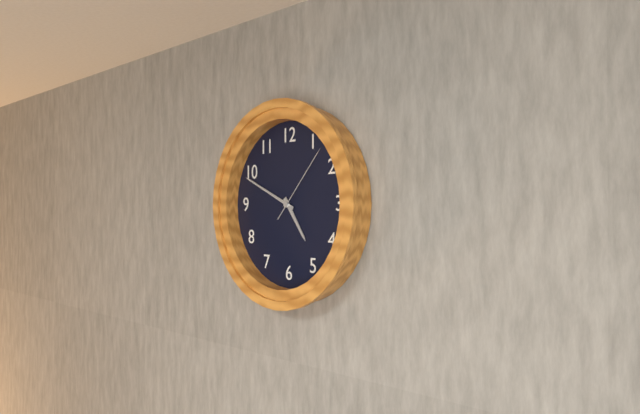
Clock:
4.49.07
